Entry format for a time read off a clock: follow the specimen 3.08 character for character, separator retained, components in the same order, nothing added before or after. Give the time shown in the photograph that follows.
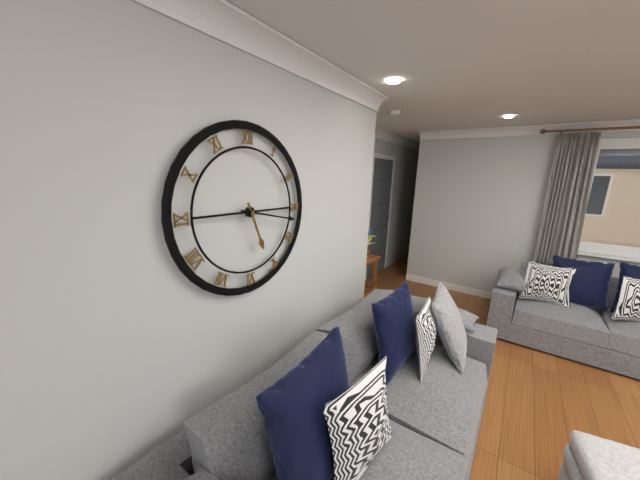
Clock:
5.17
